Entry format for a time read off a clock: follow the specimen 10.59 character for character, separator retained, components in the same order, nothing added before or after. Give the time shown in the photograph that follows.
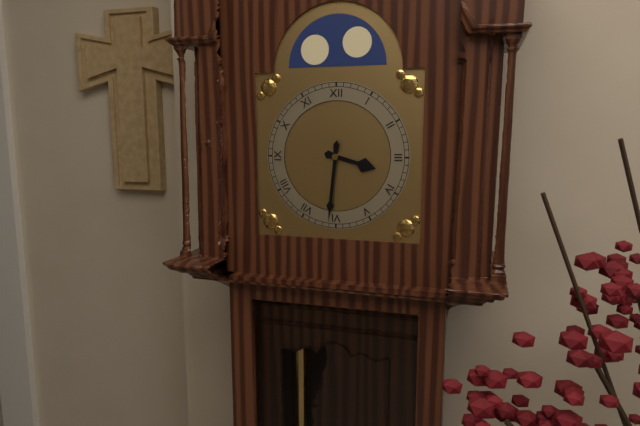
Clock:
3.31
